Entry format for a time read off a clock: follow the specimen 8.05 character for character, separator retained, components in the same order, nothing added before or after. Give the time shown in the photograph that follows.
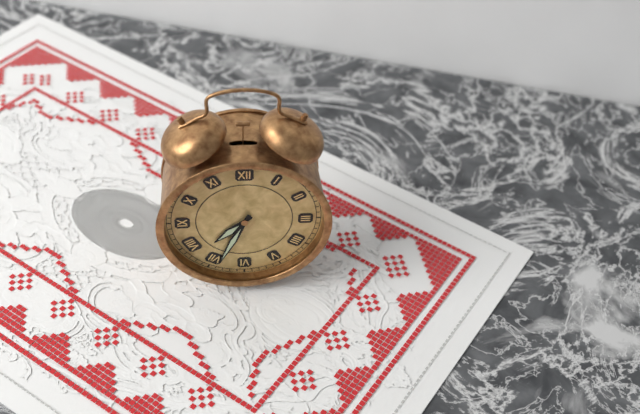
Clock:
7.34
